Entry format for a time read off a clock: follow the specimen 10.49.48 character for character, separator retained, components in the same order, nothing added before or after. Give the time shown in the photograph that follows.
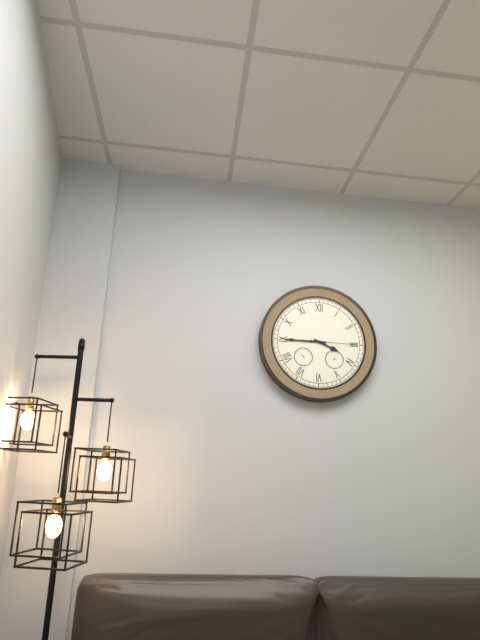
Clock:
3.45.15
